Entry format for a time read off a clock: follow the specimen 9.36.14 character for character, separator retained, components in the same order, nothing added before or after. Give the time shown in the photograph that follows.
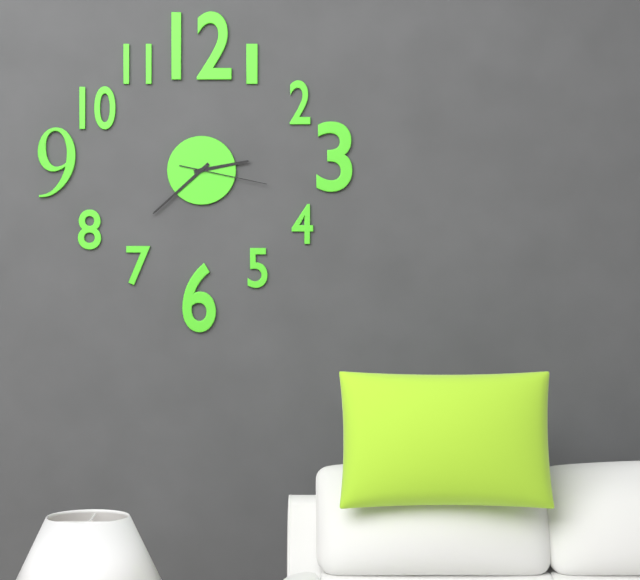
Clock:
2.38.17
